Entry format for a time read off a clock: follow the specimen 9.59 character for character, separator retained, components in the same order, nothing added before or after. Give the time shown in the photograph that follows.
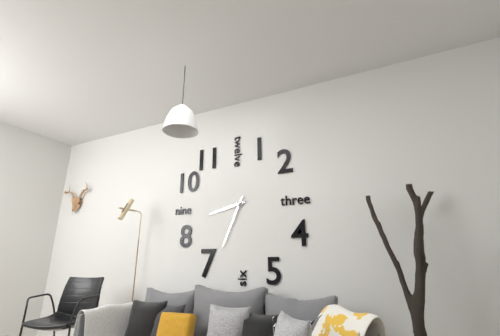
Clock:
8.34
